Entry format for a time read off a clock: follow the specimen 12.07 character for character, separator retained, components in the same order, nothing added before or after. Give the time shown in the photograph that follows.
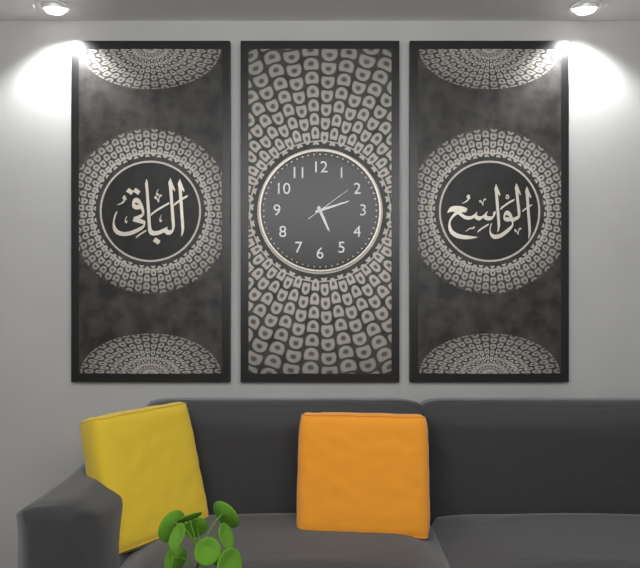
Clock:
5.12
